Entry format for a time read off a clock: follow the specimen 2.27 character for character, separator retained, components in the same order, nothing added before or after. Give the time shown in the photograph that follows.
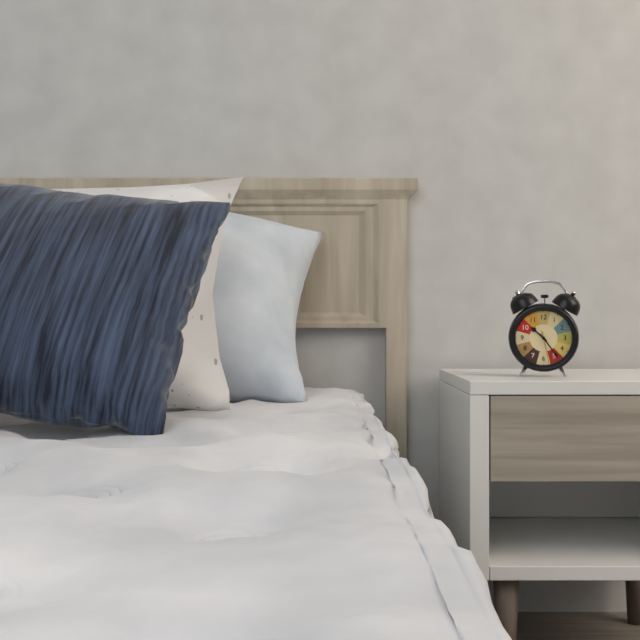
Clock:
10.24
